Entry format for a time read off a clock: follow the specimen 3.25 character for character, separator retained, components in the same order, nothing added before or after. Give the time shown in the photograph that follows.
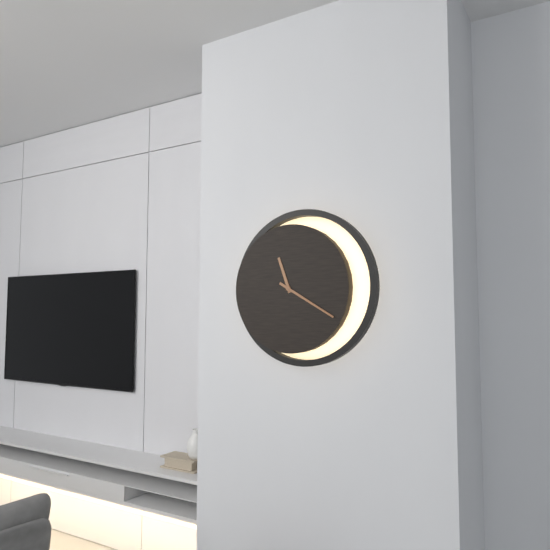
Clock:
11.20
